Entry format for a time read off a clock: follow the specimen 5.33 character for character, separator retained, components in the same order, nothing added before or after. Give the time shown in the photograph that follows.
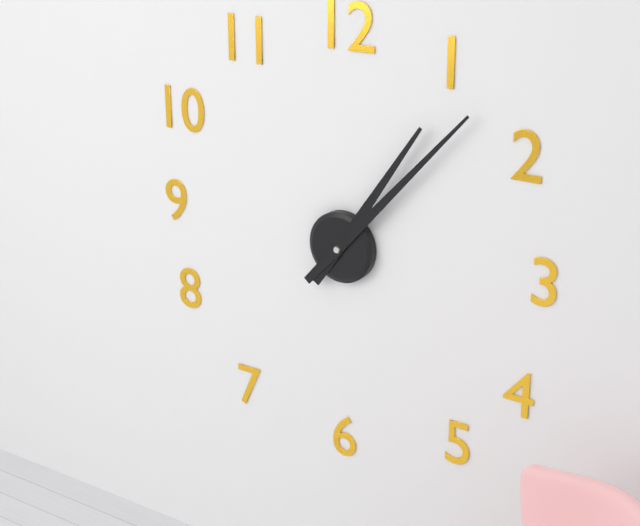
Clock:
1.07
